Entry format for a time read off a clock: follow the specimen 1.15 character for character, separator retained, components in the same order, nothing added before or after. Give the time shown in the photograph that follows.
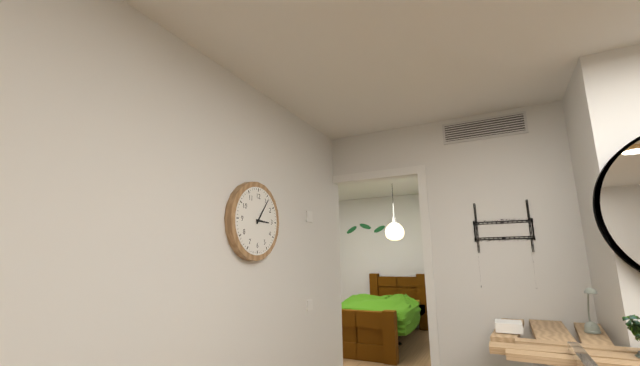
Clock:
3.06
